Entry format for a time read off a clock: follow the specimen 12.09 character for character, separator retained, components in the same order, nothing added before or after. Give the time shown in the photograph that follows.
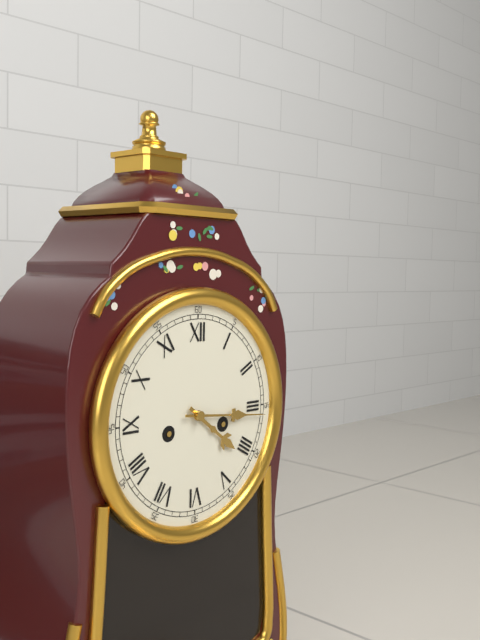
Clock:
4.16
